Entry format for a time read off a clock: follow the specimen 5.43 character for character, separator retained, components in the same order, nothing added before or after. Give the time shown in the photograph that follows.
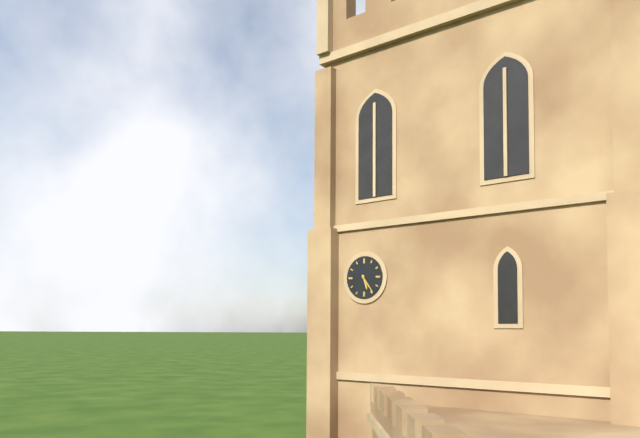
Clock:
5.24
